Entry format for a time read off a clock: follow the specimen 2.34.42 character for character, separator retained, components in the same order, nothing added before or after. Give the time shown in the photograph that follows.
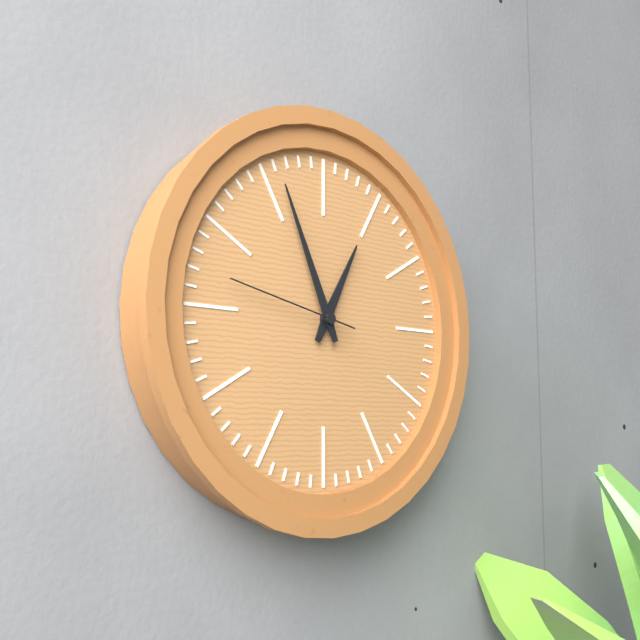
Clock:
12.56.47
